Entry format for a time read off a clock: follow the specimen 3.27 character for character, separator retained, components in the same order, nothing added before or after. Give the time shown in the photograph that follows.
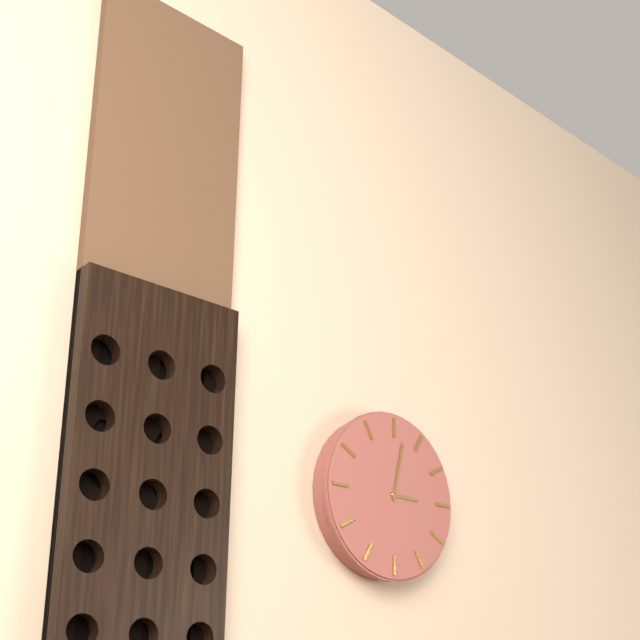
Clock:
3.02
